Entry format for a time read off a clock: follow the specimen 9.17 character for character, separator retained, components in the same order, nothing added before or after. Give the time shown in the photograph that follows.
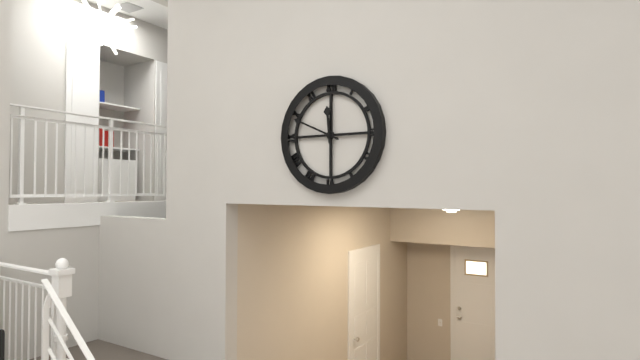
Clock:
11.49
